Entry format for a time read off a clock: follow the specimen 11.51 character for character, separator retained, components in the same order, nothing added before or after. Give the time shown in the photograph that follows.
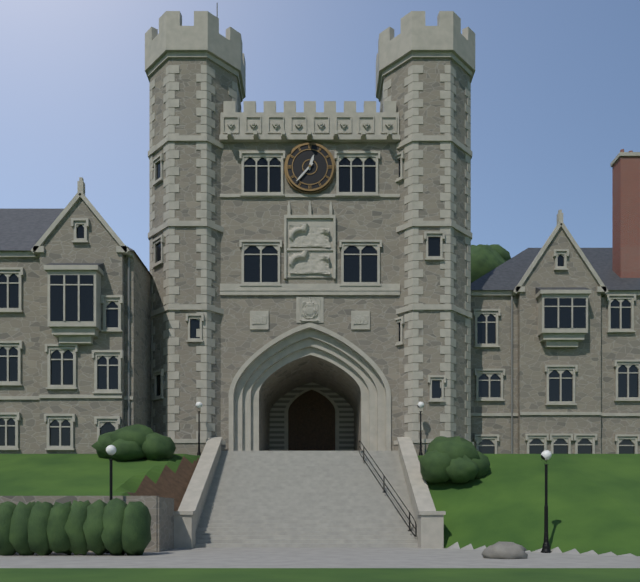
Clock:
12.37
